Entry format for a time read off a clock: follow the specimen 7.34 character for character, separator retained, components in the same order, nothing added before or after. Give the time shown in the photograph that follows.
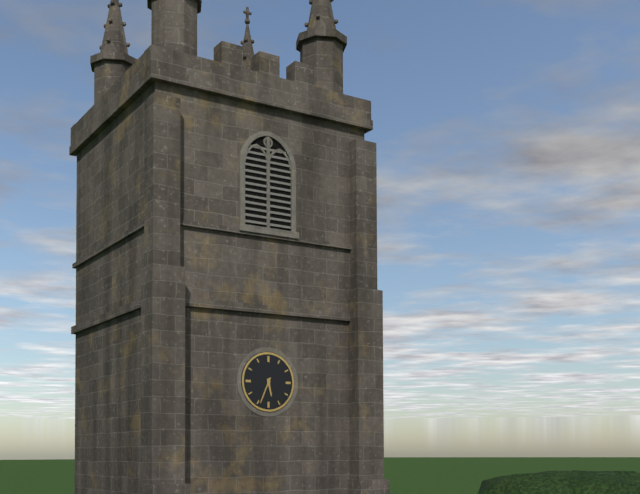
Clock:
5.34
